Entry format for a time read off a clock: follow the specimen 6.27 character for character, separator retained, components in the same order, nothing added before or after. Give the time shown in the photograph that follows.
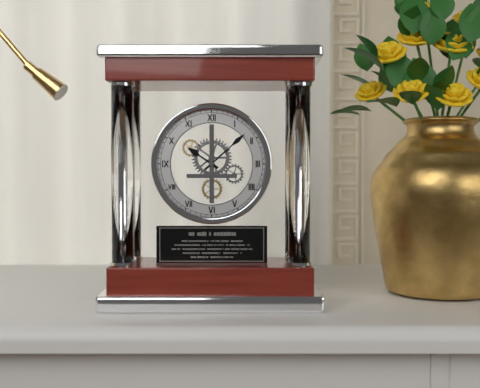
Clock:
10.08
